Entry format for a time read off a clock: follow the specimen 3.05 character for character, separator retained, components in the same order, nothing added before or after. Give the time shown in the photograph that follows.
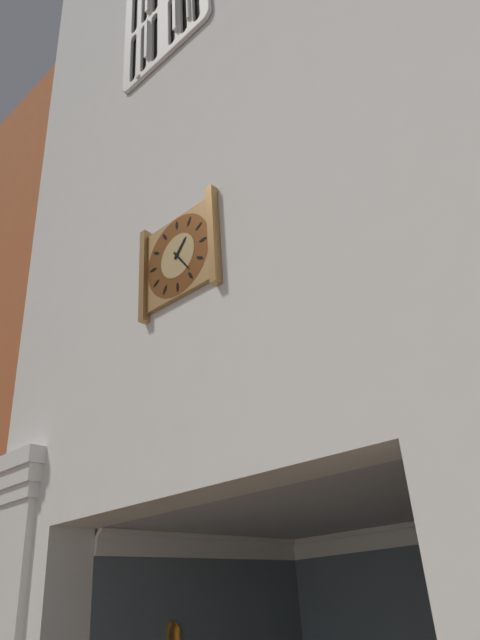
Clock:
1.24
